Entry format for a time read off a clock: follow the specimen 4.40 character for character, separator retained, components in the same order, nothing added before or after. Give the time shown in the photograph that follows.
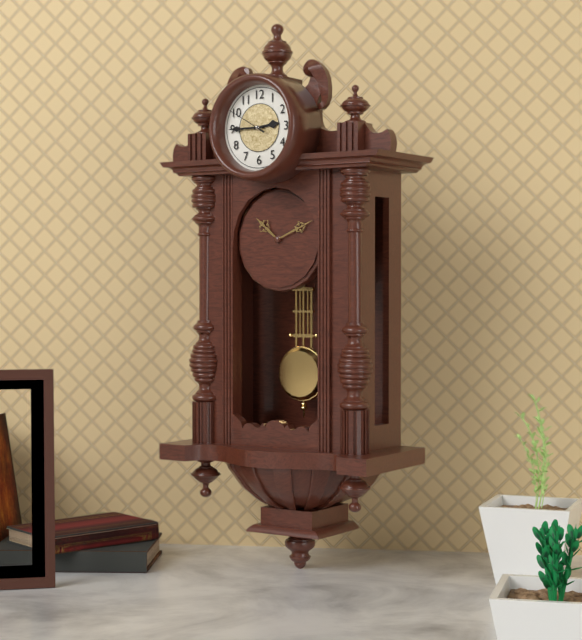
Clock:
2.45
